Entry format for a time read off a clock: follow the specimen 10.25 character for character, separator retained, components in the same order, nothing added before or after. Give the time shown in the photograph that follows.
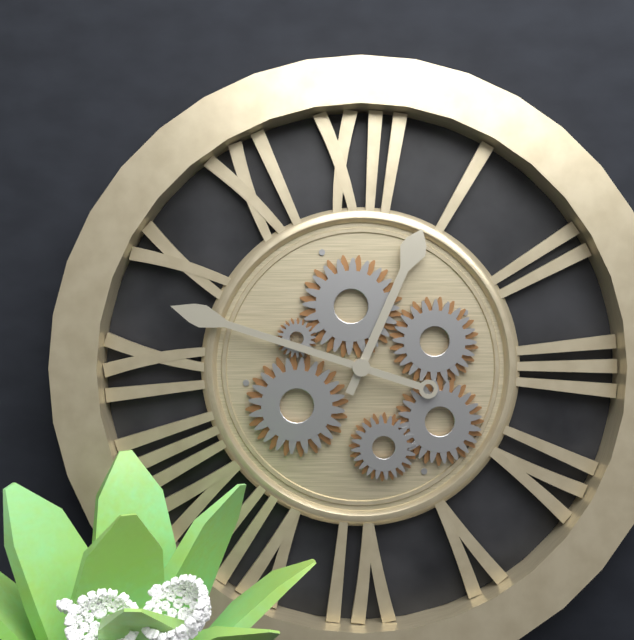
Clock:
12.48
